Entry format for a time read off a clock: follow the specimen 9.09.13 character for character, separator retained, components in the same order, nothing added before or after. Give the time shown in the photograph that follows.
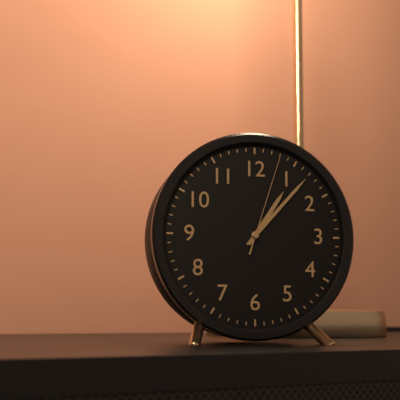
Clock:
1.07.03
